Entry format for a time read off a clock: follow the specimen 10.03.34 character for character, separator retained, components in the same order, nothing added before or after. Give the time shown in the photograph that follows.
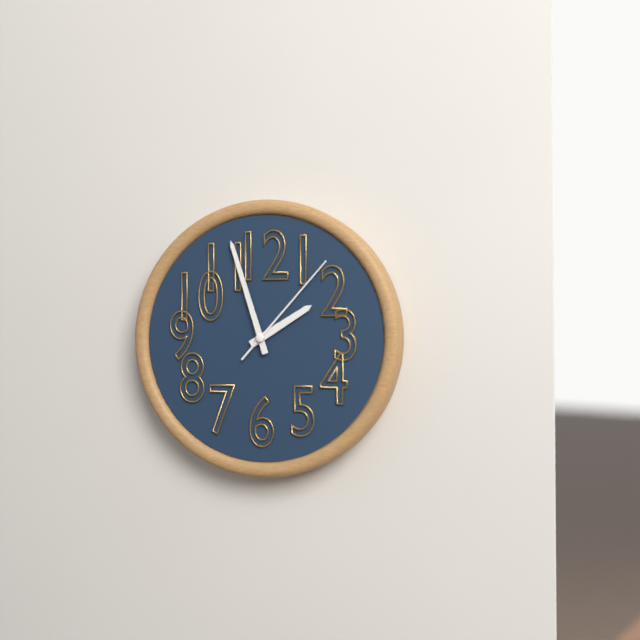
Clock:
1.57.07
